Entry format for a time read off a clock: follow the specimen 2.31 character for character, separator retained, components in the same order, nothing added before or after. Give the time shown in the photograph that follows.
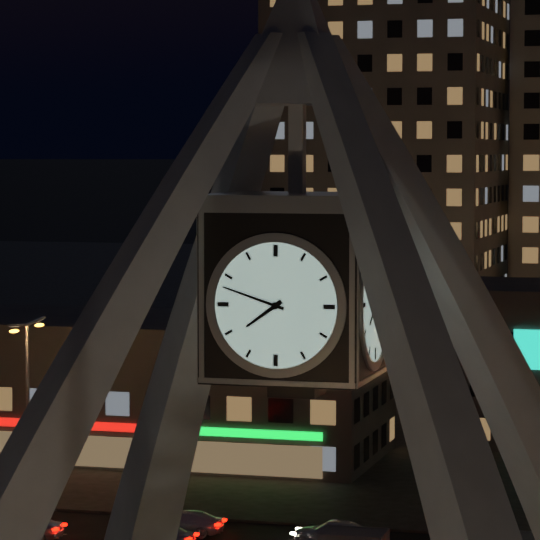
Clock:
7.48
